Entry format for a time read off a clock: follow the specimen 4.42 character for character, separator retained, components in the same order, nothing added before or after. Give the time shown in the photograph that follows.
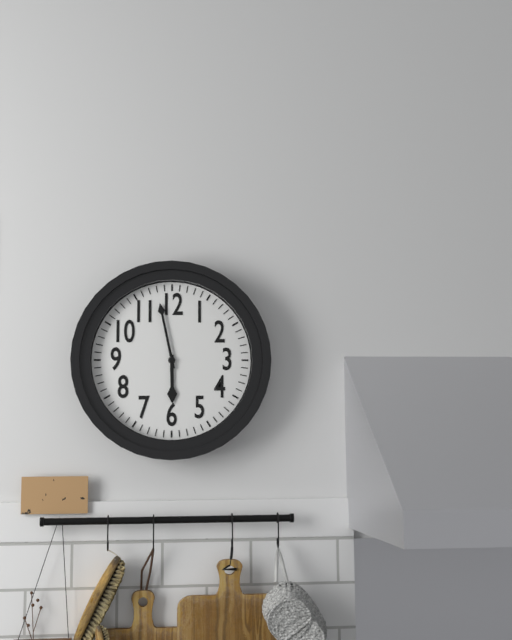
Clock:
5.58
